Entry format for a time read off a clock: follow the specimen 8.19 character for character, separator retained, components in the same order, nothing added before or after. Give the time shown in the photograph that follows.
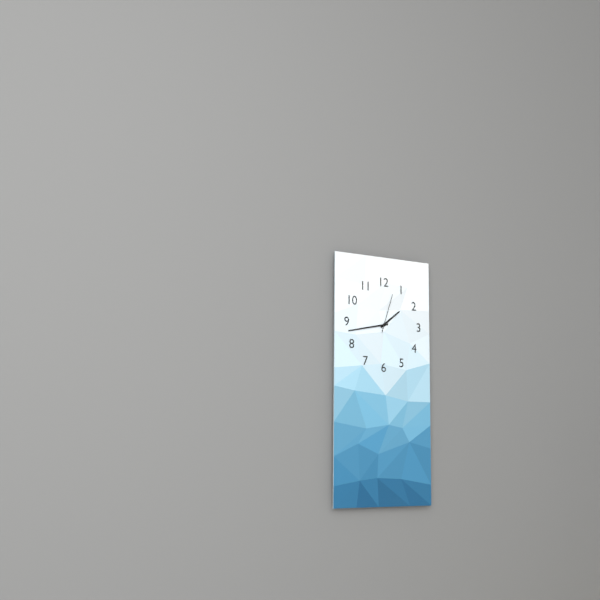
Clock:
1.43
